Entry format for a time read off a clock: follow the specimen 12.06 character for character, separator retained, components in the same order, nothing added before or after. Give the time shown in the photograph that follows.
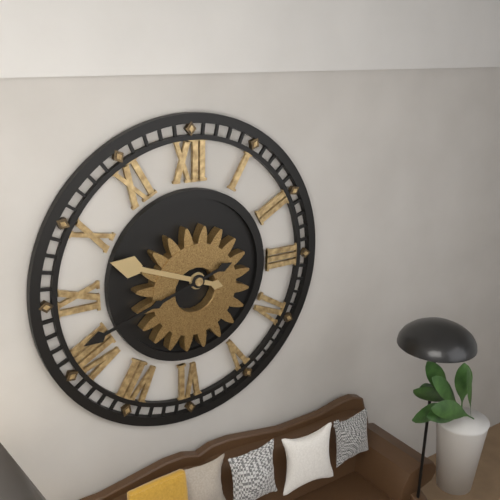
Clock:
9.42
